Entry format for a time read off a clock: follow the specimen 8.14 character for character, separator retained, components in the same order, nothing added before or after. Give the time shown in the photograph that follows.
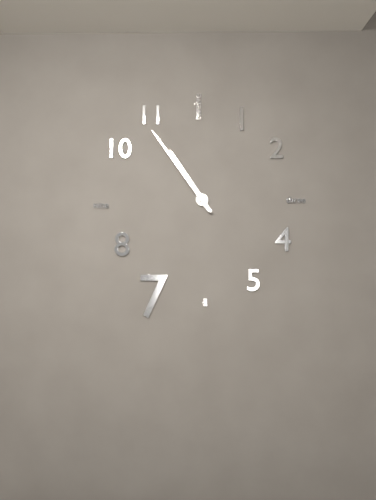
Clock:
10.54
